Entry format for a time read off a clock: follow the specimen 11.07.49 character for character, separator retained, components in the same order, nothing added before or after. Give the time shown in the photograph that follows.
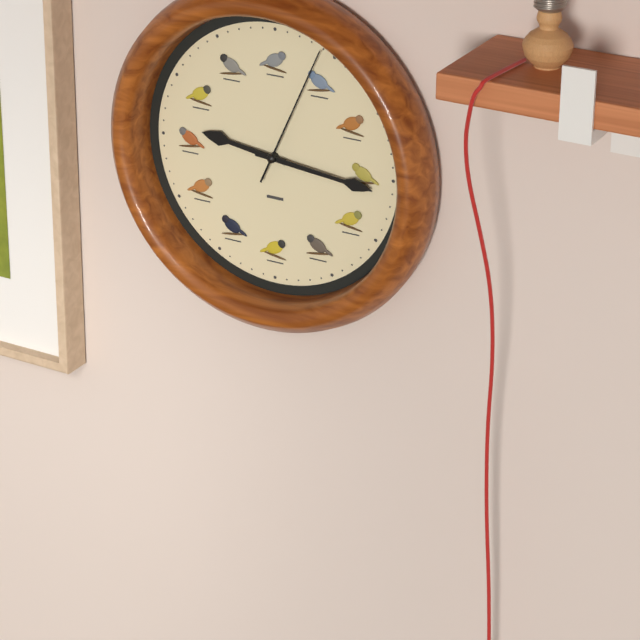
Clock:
9.16.04
